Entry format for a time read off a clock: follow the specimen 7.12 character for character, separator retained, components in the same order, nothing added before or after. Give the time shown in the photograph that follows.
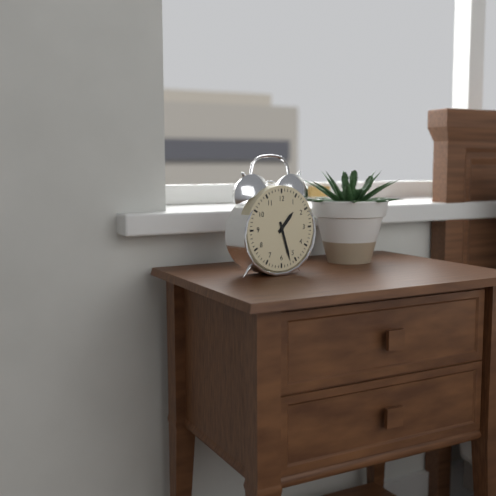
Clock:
1.27
